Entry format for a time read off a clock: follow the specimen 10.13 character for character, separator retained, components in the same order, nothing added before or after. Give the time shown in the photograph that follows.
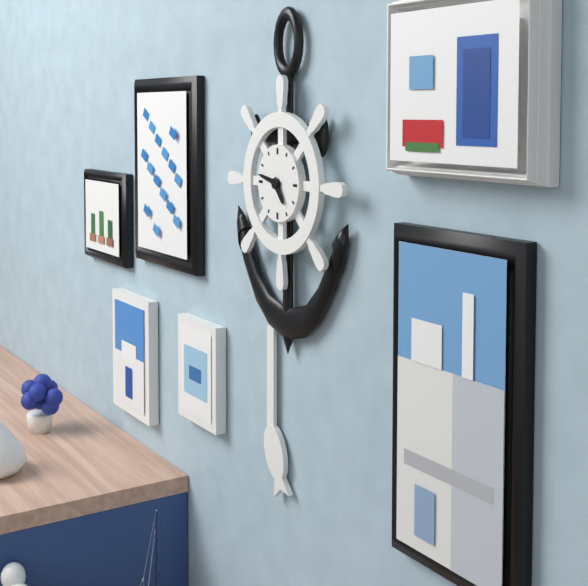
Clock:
4.47
